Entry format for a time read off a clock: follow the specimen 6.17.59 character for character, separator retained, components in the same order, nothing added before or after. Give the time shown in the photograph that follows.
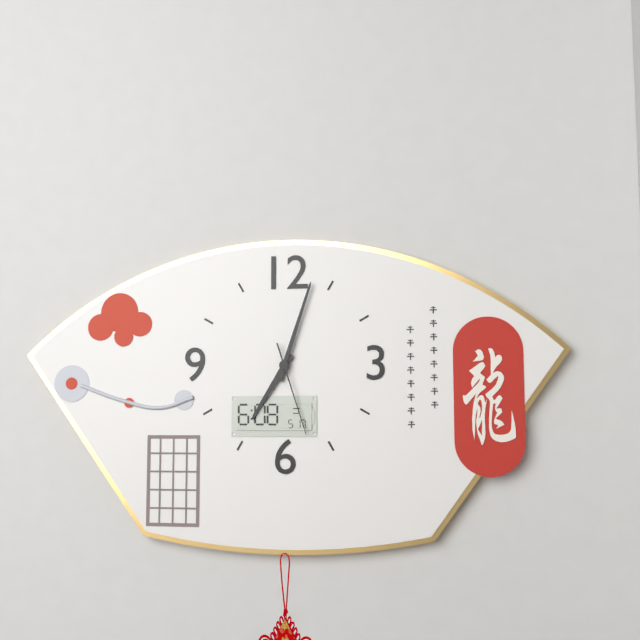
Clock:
7.03.27
